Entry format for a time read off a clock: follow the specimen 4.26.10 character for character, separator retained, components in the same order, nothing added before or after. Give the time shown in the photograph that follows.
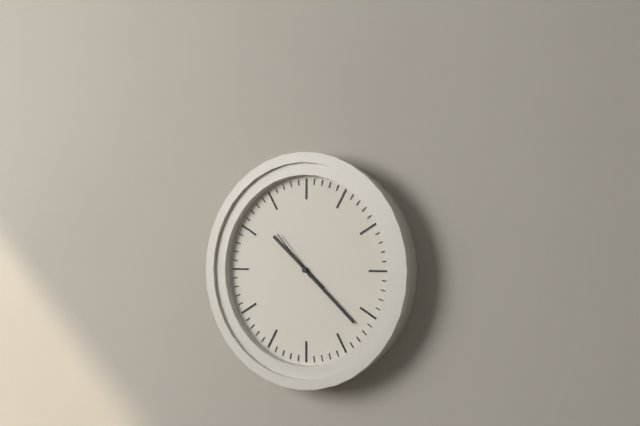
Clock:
10.22.53
